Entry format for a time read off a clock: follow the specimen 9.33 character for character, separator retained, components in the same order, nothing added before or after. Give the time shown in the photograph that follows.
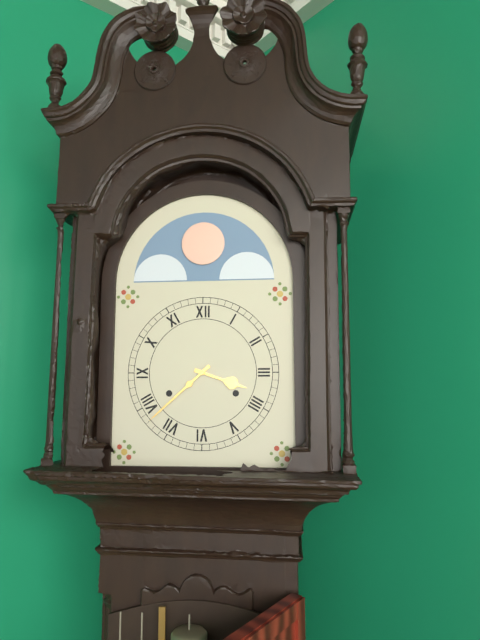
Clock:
3.38
